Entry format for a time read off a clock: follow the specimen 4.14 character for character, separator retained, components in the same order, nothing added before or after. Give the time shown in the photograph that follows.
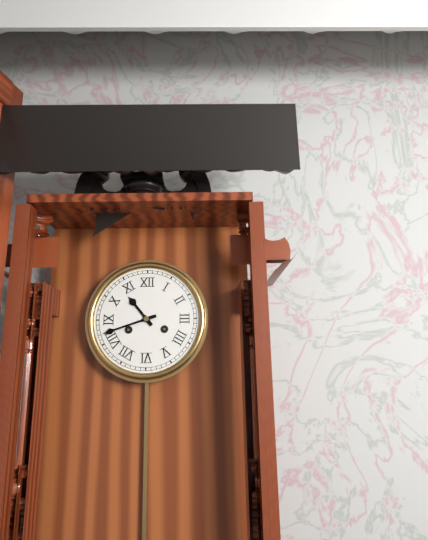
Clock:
10.42
